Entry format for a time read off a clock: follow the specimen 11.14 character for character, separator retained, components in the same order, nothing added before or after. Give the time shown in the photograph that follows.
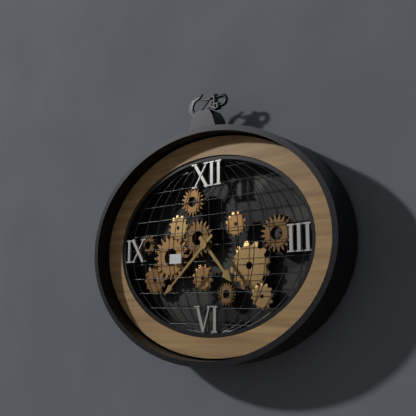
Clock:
4.38
